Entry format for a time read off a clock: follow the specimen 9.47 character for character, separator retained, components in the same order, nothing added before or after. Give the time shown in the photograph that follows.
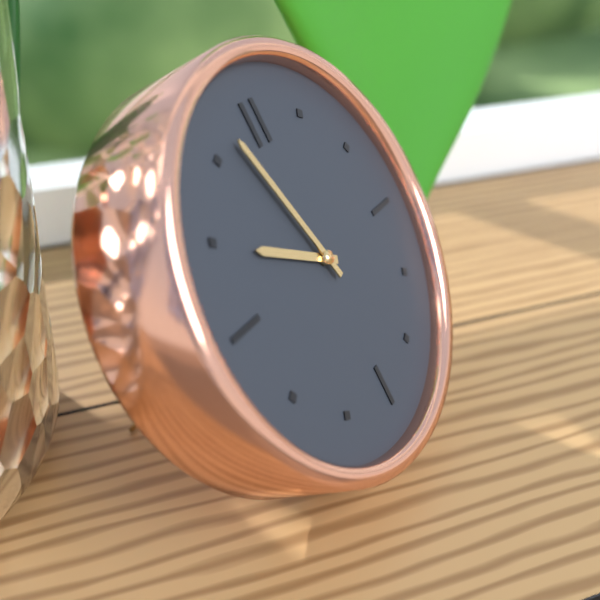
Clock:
9.57
